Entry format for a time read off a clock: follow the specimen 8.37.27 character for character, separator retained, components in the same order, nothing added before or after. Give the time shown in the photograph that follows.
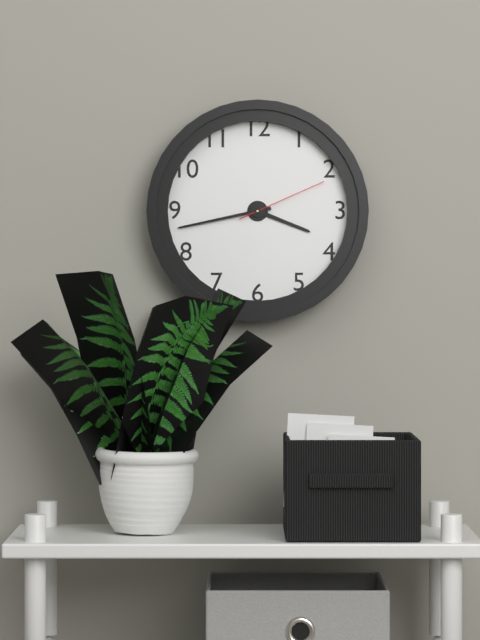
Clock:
3.43.11
